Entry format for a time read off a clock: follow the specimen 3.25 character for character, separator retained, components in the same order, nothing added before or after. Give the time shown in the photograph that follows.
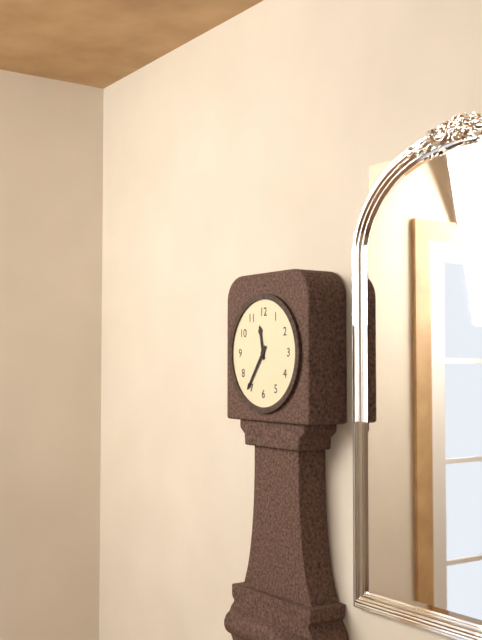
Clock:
11.36
